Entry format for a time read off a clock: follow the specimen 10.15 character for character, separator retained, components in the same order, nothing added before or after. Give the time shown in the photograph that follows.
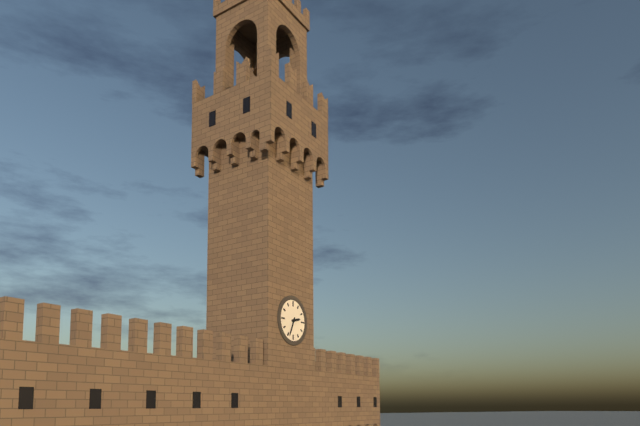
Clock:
2.34
